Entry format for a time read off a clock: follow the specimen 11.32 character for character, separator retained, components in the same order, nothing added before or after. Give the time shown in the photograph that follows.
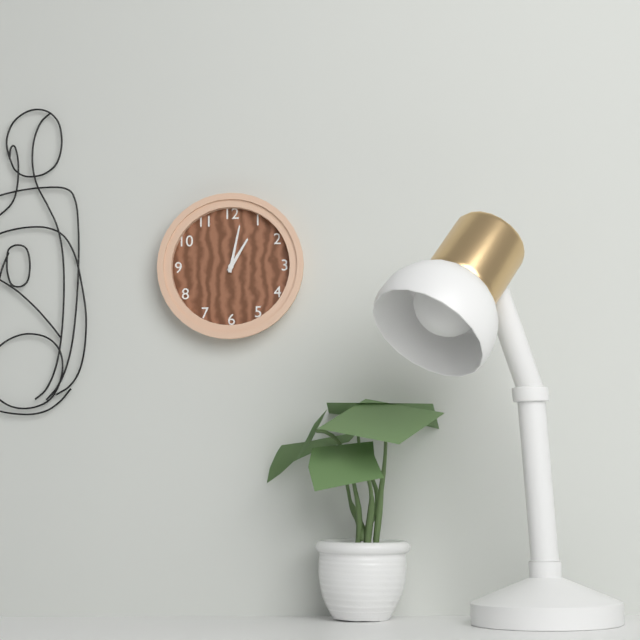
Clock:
1.02
